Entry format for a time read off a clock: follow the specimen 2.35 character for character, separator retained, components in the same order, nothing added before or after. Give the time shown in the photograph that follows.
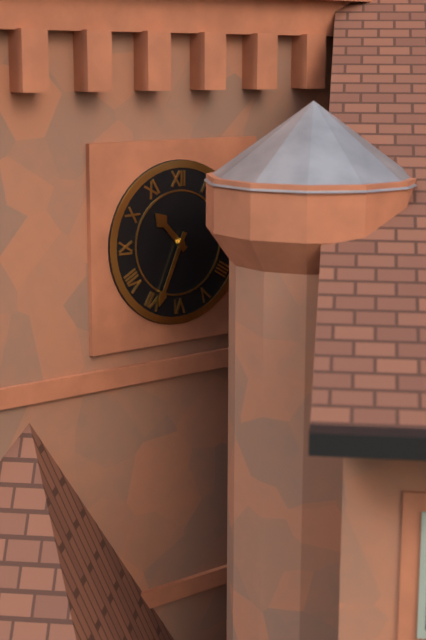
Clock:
10.34
